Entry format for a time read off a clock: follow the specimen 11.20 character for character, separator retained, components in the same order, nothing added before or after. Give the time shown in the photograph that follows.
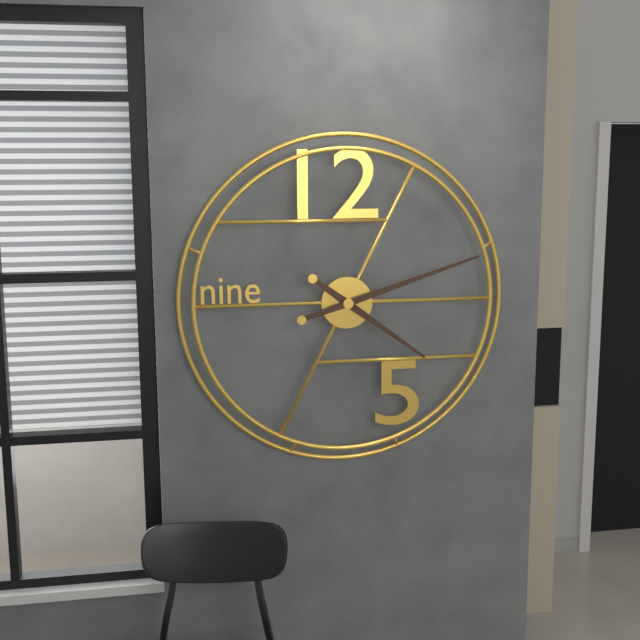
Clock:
4.12
